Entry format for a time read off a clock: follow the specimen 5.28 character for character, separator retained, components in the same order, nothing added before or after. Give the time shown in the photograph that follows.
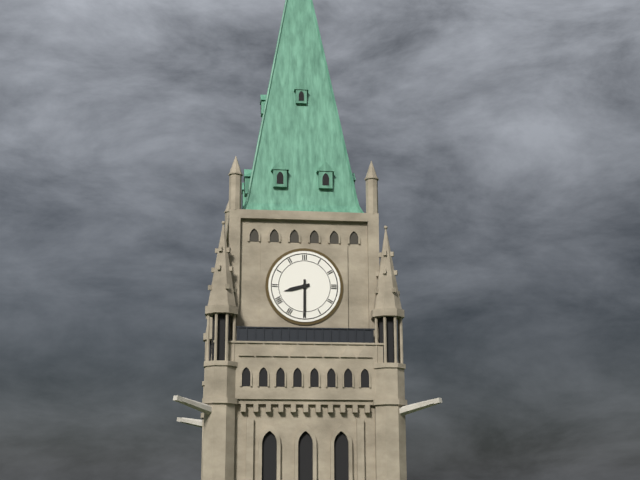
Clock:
8.30
